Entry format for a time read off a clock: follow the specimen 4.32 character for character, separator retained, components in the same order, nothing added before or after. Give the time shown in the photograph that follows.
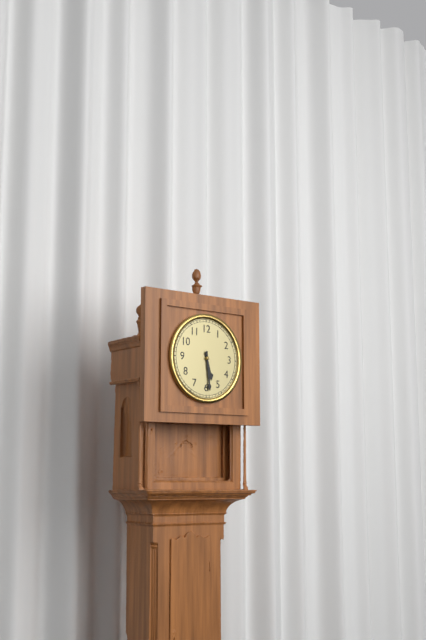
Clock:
5.29
